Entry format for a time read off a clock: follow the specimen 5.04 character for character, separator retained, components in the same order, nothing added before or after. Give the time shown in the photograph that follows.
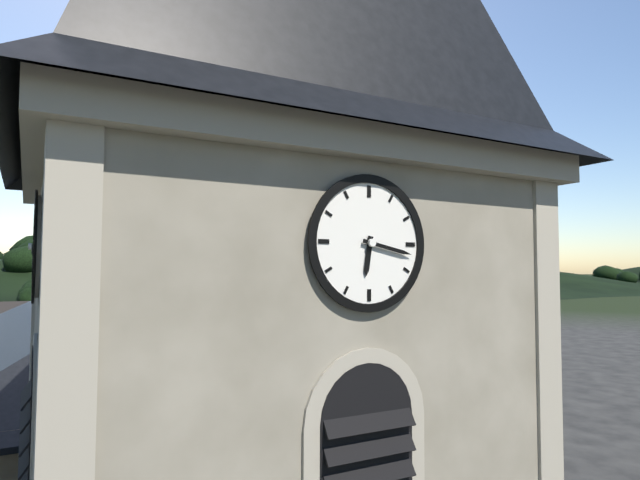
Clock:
6.17
